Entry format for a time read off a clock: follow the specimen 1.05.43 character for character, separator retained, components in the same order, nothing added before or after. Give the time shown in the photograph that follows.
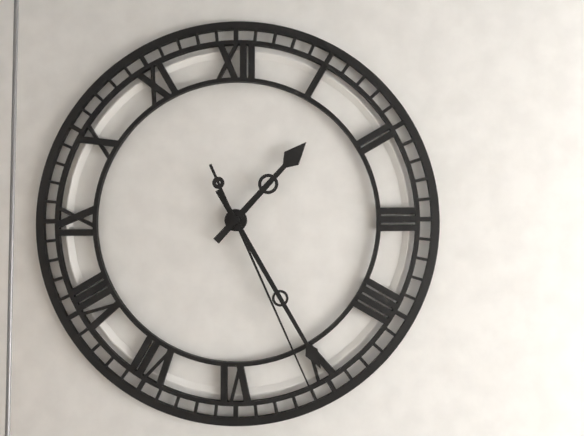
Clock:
1.25.26
